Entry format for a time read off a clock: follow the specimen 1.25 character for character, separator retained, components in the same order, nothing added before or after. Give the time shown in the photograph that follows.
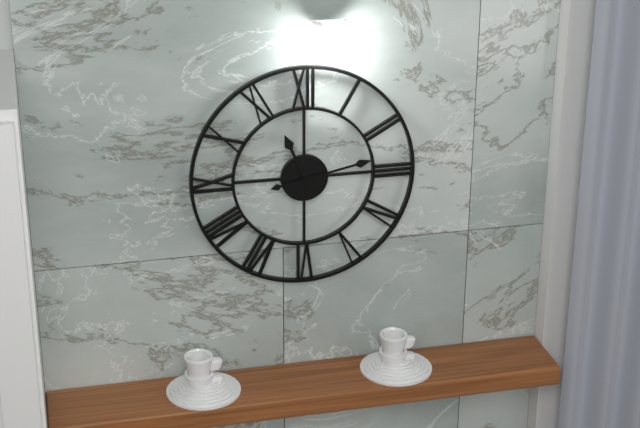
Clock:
11.13
